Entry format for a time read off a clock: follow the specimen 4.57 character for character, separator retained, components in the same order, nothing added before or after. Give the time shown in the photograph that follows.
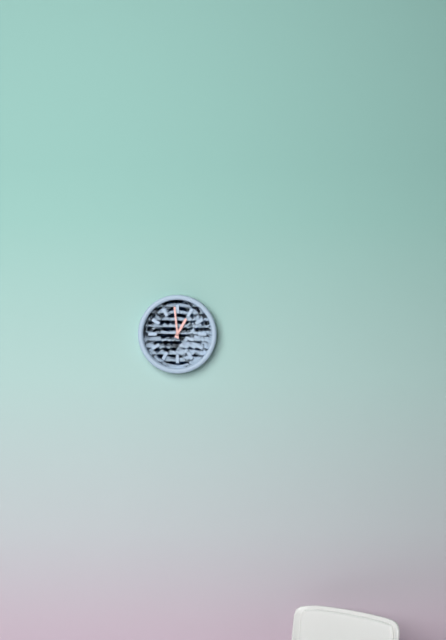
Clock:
12.59
